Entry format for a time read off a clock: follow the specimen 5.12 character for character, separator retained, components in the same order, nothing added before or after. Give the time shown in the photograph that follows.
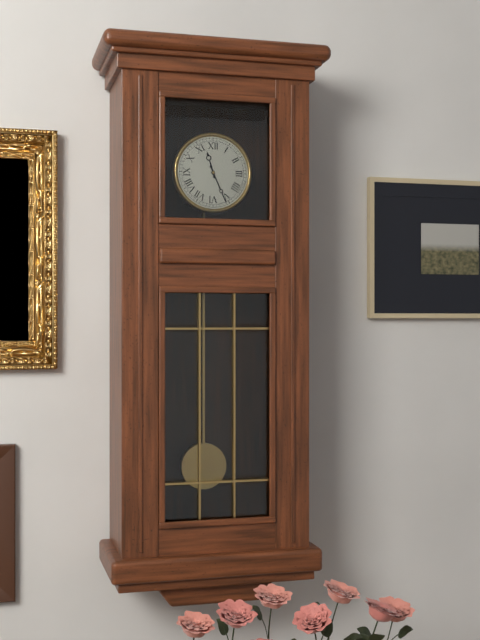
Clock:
11.26
